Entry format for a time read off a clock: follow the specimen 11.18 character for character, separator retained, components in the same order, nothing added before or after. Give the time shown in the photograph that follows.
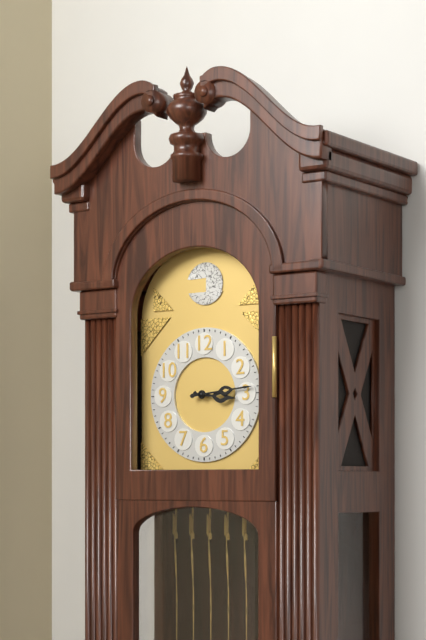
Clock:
3.14
